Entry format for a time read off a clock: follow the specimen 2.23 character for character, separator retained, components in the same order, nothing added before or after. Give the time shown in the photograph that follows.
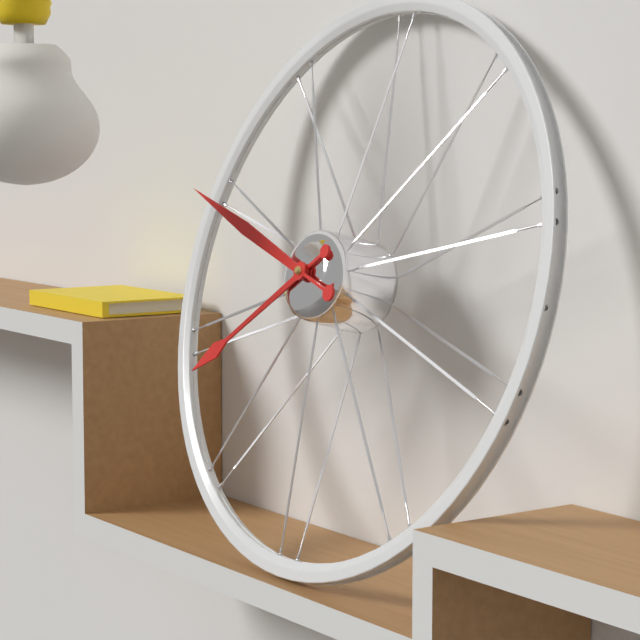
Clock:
7.48
